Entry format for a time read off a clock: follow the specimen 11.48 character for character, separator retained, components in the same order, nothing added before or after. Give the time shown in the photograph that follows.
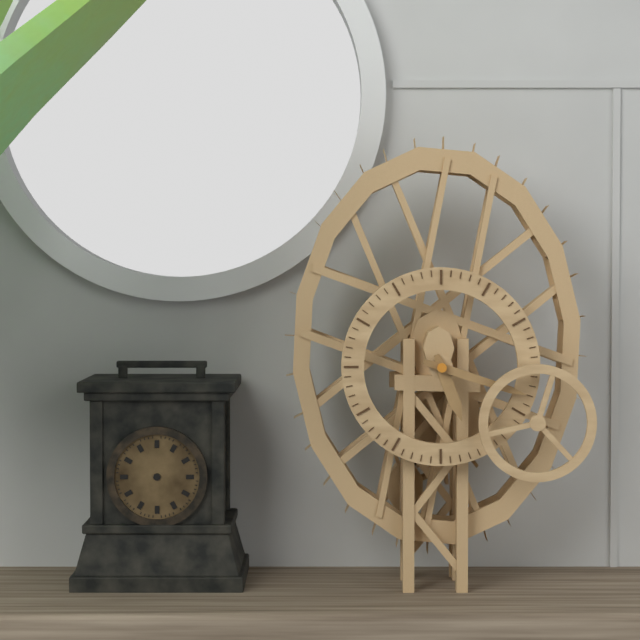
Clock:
5.18
